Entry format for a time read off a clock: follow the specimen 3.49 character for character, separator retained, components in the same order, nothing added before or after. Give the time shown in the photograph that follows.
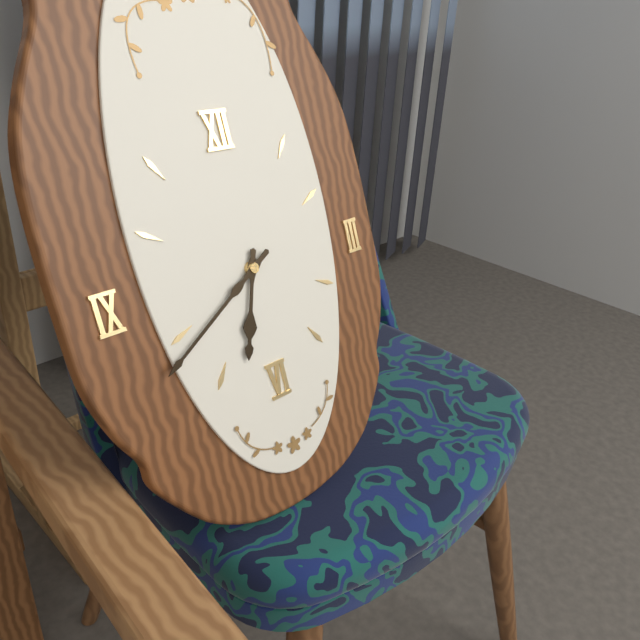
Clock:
6.40
